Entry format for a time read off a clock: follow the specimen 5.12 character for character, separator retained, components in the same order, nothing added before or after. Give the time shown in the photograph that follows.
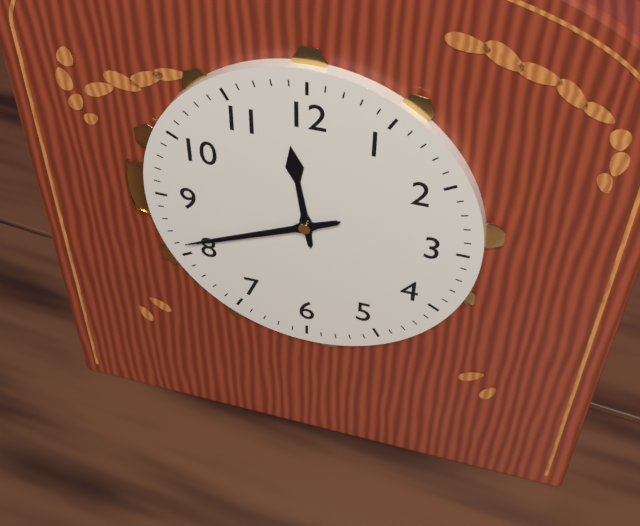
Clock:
11.41
